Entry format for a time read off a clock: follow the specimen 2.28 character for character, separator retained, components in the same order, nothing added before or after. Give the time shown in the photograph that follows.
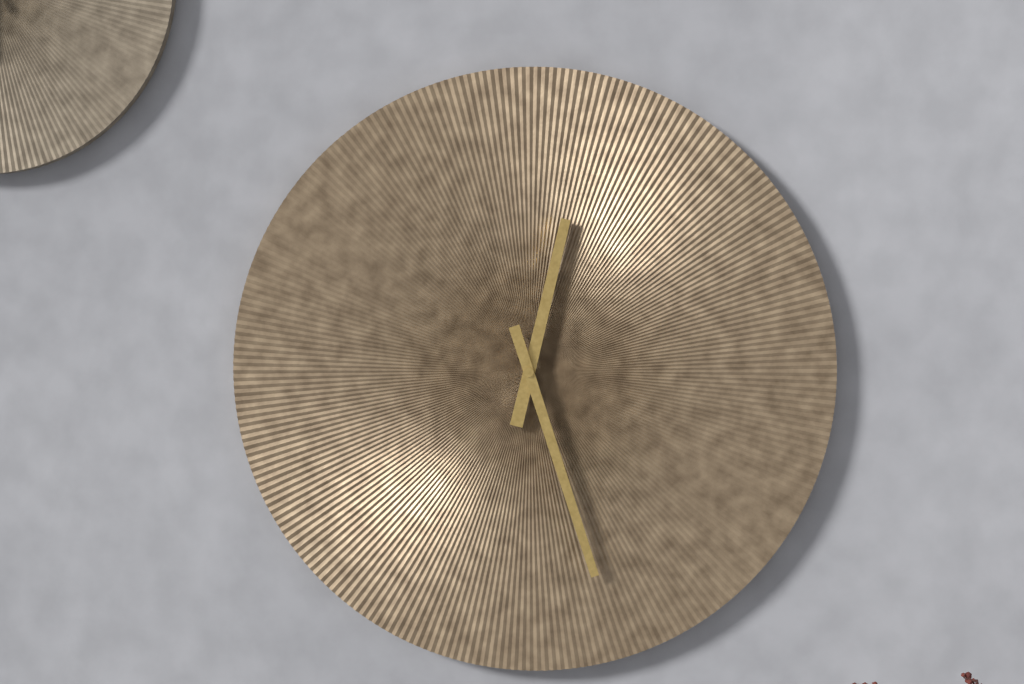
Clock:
12.27
